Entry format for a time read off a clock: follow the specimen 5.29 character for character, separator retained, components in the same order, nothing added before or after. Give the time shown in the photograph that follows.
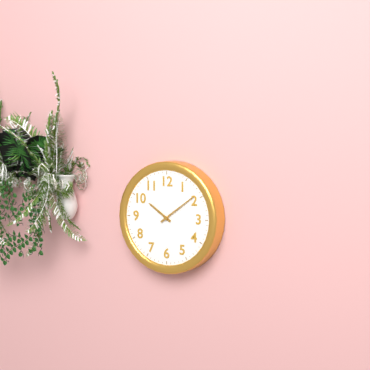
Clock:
10.09
